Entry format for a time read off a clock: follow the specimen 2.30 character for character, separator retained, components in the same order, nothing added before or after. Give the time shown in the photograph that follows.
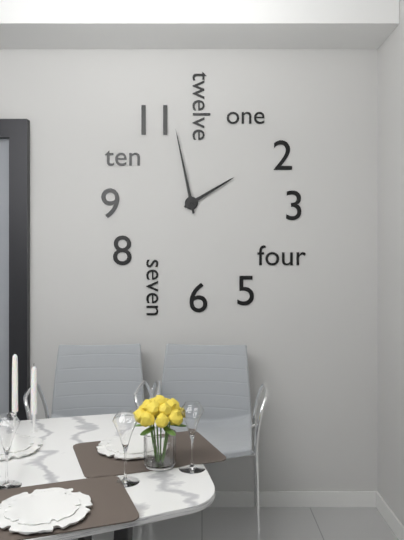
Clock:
1.58
